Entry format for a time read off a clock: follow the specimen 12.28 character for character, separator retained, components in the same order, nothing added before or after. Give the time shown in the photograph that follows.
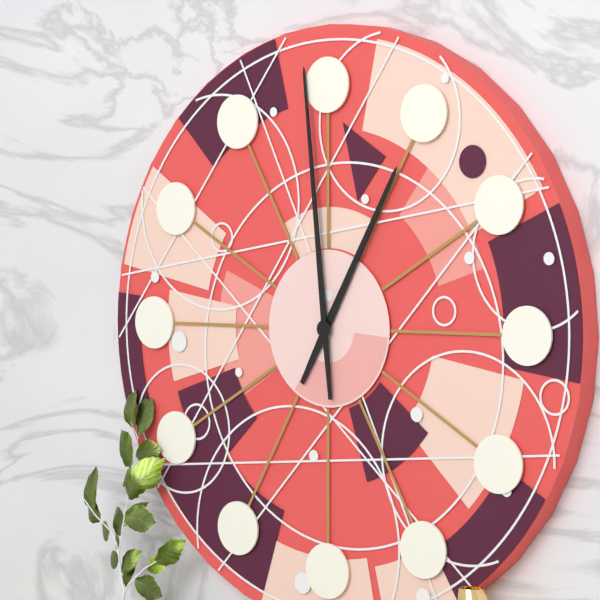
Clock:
12.59
